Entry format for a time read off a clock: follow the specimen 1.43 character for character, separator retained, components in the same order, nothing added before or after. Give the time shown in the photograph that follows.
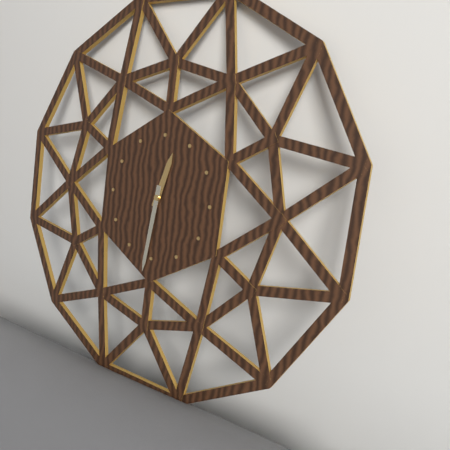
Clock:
12.31
